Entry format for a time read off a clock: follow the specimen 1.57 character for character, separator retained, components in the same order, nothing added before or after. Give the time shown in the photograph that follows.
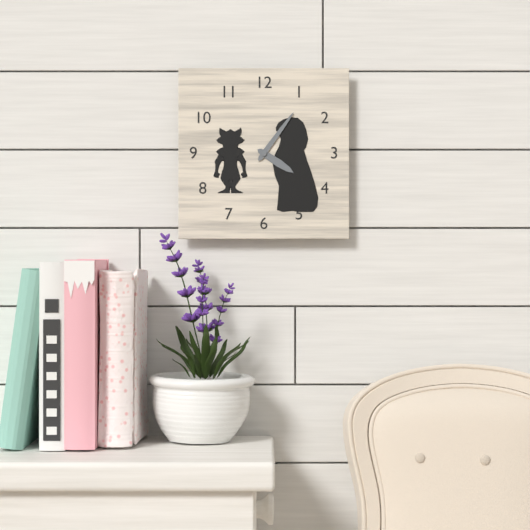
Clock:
4.06
